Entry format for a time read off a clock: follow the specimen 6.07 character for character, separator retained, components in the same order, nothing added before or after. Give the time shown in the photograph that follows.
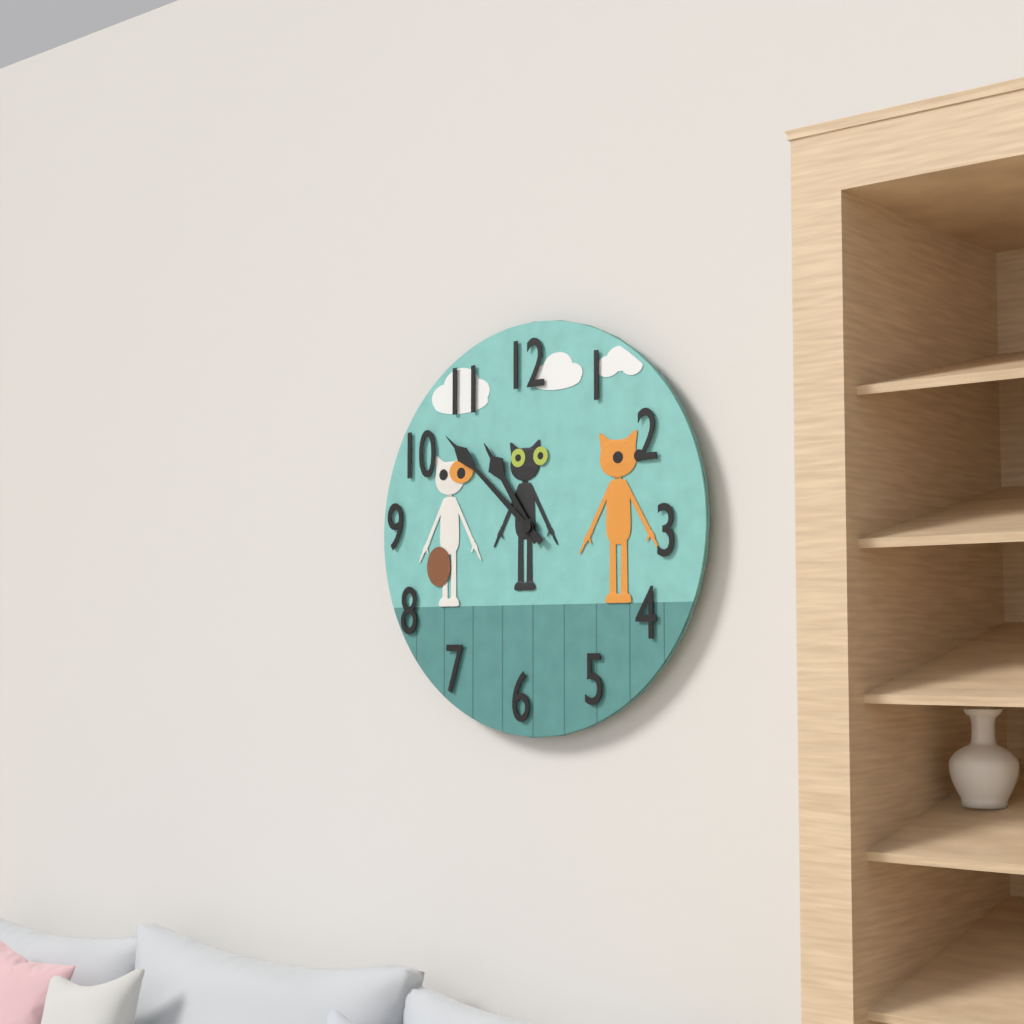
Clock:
10.52
